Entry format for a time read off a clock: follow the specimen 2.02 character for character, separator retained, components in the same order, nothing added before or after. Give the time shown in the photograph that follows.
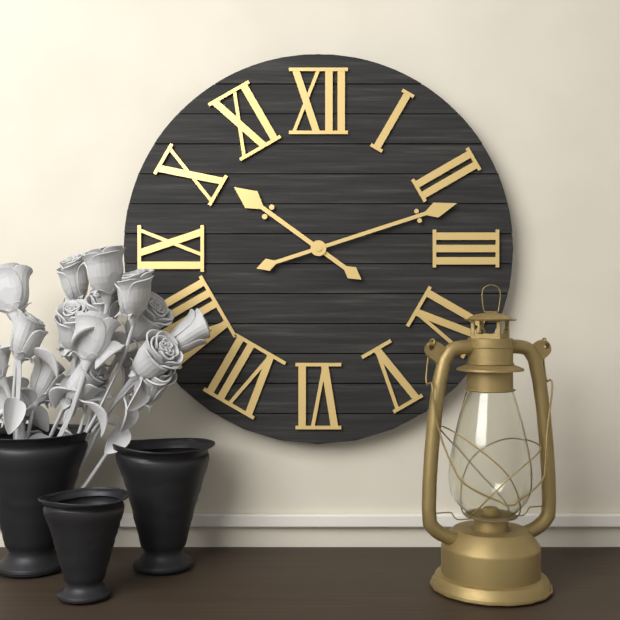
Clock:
10.12
